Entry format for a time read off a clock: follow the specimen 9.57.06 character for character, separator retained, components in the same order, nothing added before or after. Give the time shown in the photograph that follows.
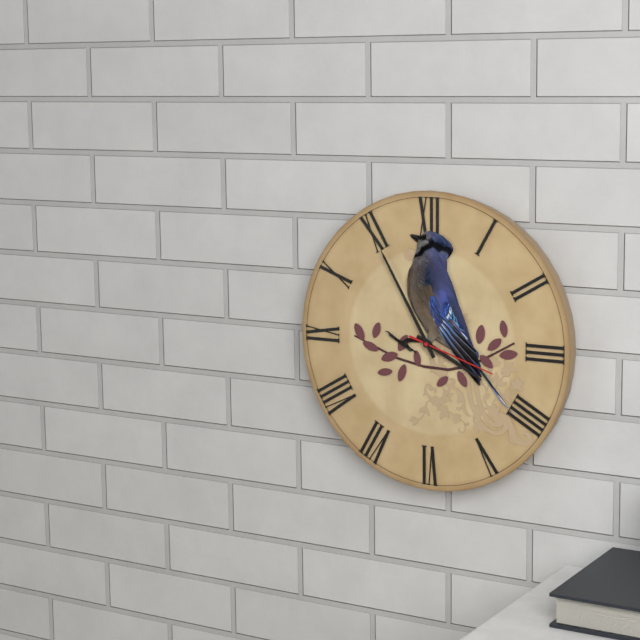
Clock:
3.55.18
